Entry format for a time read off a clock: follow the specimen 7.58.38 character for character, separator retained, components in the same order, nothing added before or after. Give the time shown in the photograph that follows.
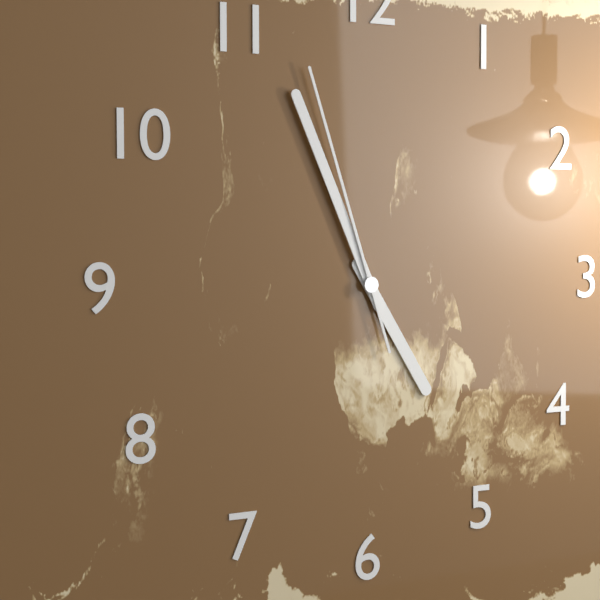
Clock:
4.56.57
